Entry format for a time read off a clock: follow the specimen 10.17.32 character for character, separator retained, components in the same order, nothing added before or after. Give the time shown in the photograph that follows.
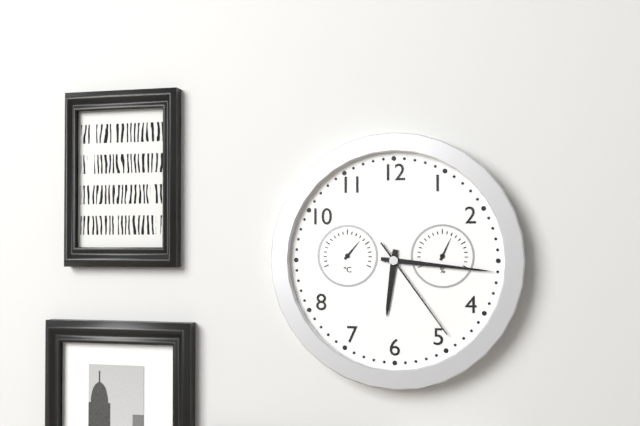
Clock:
6.16.24
